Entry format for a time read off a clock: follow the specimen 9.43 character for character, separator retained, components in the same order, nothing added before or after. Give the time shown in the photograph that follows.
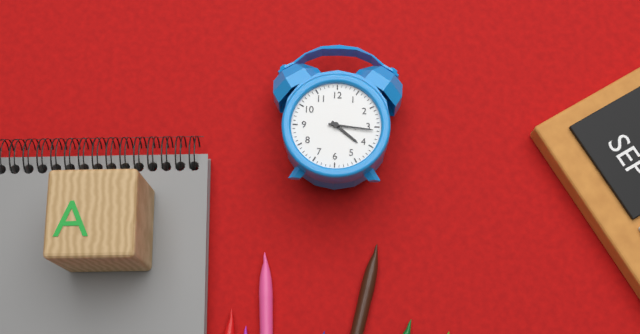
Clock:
4.16
